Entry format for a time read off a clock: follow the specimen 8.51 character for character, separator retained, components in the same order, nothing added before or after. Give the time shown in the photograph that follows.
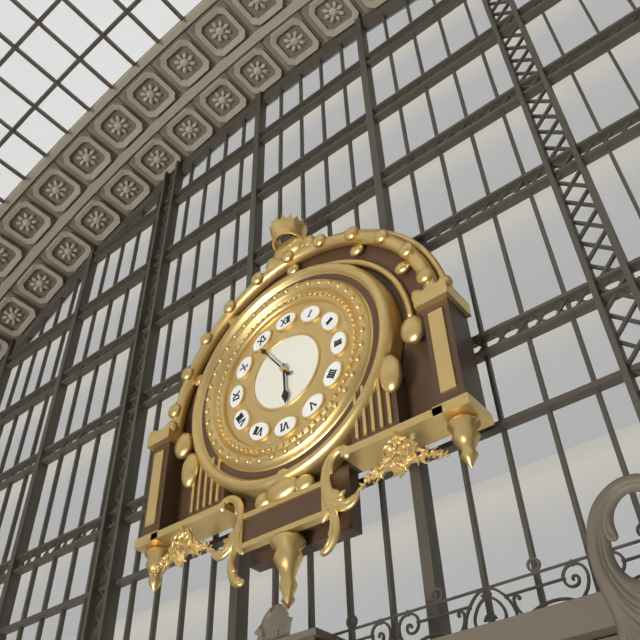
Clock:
5.54
